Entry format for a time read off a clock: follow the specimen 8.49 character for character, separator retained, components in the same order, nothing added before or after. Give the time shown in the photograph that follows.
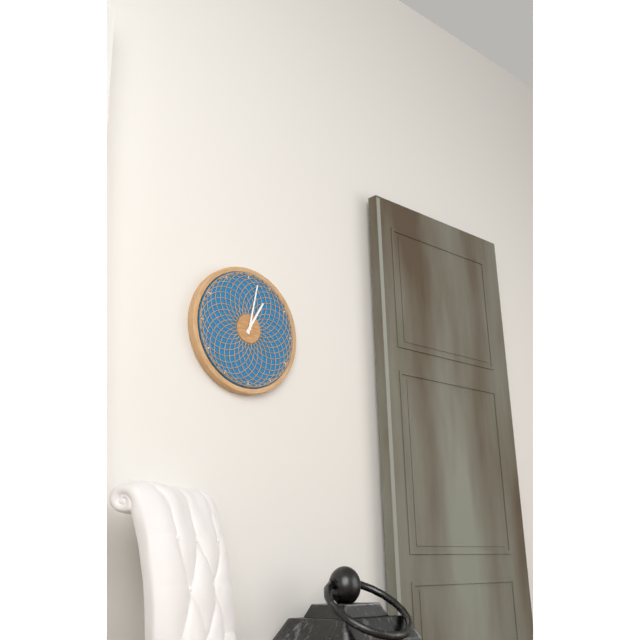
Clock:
1.02
